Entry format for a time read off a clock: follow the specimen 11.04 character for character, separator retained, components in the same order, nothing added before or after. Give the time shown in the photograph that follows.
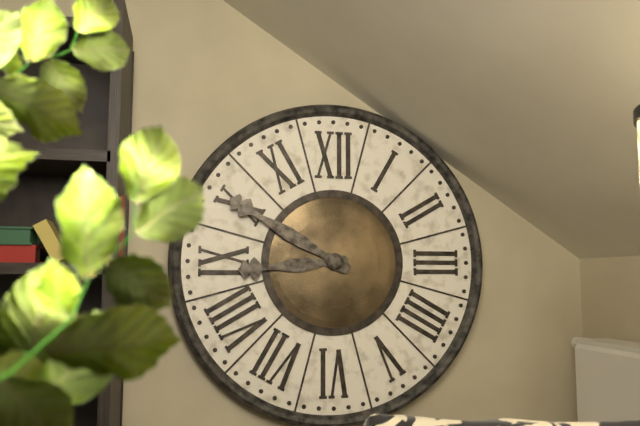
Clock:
8.50
